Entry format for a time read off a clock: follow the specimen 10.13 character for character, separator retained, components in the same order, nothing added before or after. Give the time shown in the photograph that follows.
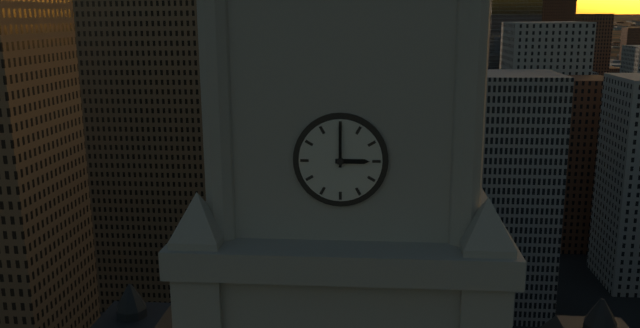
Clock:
3.00
